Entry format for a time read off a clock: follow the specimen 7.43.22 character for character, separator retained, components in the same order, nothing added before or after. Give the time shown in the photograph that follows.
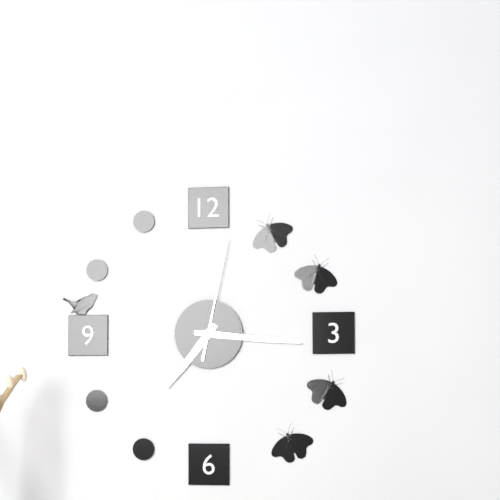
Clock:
7.16.02
